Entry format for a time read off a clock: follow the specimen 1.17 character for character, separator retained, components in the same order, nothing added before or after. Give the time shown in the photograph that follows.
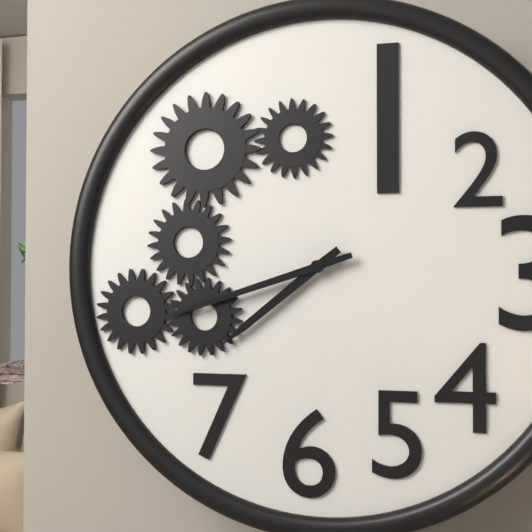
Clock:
7.42
